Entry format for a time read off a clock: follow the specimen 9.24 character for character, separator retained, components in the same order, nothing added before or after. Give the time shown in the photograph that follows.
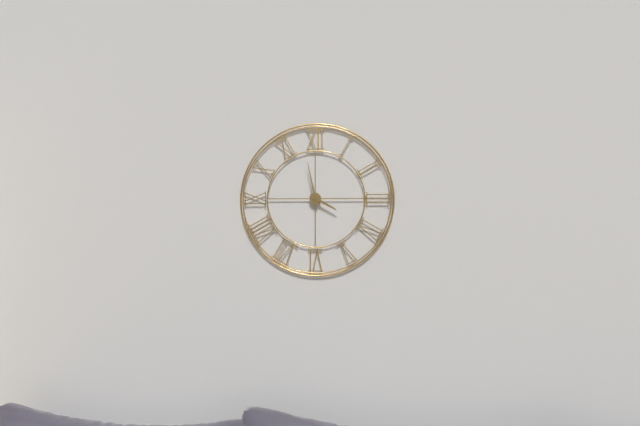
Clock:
3.58
